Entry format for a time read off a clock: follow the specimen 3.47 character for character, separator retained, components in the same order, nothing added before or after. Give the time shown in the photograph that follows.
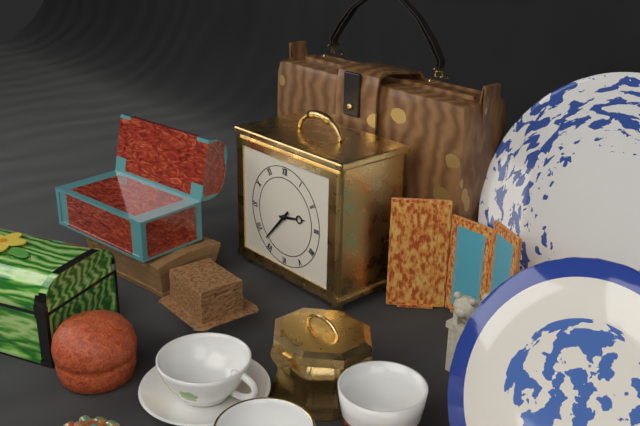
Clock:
2.37
